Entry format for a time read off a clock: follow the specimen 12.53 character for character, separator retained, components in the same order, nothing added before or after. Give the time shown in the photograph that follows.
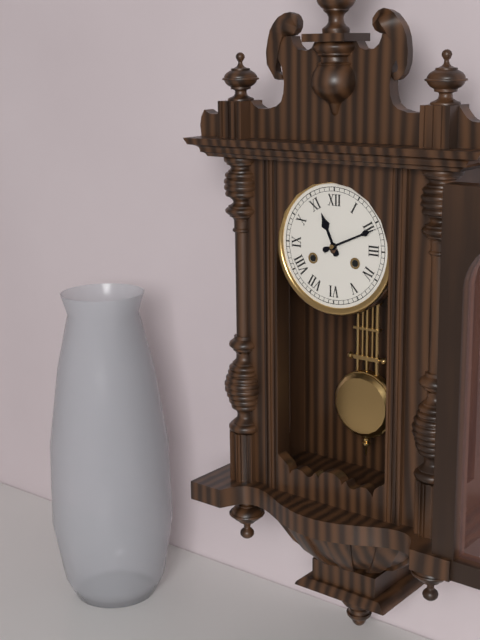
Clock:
11.11
